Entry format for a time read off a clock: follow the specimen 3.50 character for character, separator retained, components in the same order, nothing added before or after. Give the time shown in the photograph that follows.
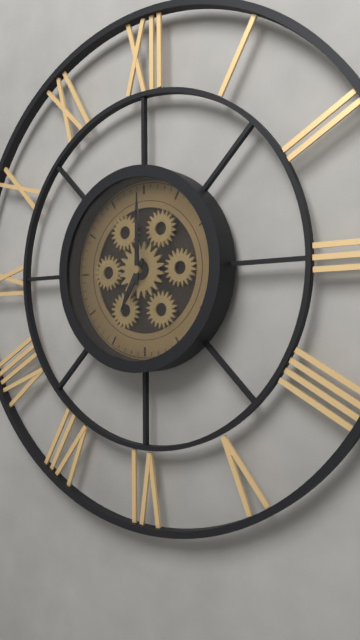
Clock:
7.00
